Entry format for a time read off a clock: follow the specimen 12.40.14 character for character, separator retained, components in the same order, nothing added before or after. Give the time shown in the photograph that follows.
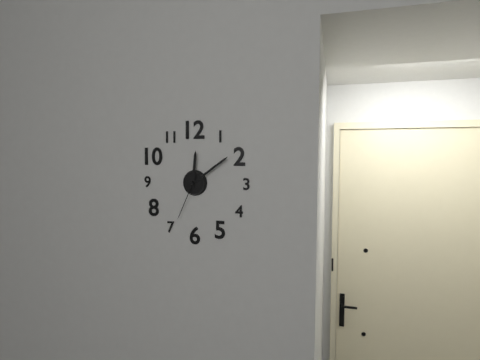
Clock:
12.09.34
